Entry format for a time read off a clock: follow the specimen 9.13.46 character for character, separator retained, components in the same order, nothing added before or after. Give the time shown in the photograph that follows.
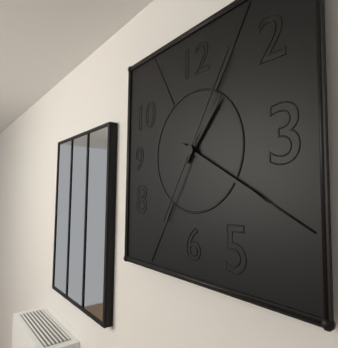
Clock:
1.20.05
